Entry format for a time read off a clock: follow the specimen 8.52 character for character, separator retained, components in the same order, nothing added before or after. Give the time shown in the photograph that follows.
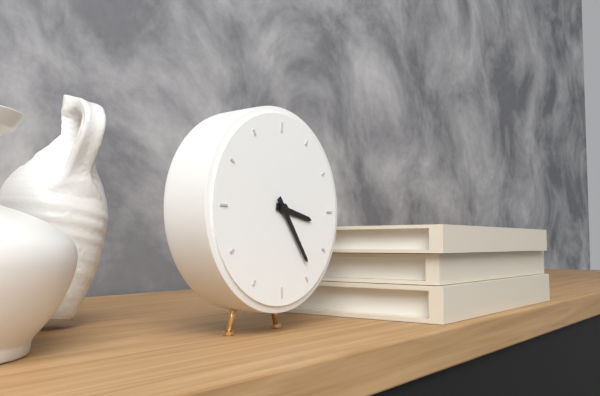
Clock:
3.24
